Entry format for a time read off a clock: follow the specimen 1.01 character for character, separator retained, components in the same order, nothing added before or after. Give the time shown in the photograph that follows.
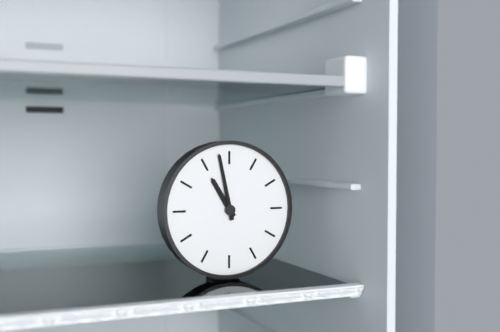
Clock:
10.58
